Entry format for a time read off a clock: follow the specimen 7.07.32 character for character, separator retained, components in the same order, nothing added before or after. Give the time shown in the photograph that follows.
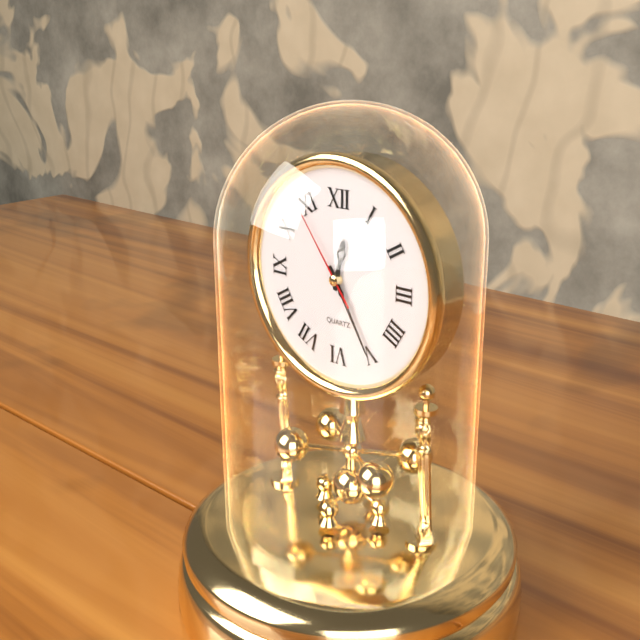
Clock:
12.25.54
